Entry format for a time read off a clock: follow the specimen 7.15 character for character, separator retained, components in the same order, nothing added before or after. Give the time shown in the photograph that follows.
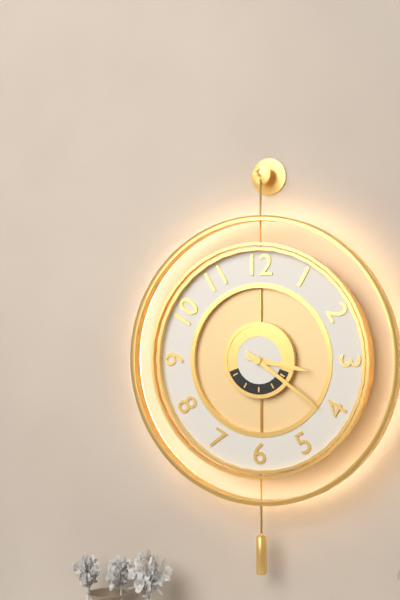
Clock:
3.21
